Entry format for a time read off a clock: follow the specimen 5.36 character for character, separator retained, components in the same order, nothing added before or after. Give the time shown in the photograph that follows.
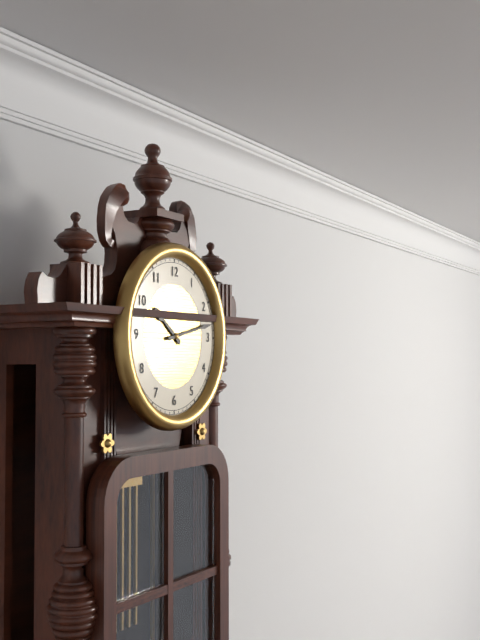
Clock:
10.13
